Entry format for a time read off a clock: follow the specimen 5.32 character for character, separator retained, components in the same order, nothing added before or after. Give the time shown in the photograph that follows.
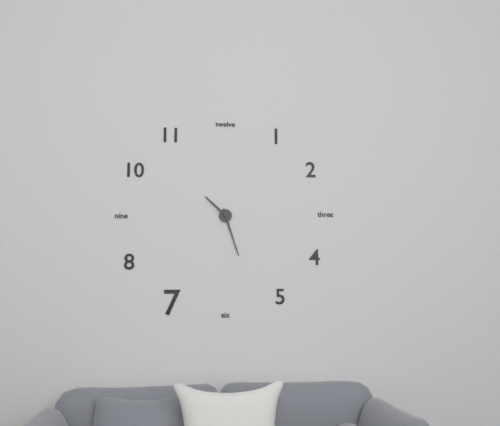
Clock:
10.27
